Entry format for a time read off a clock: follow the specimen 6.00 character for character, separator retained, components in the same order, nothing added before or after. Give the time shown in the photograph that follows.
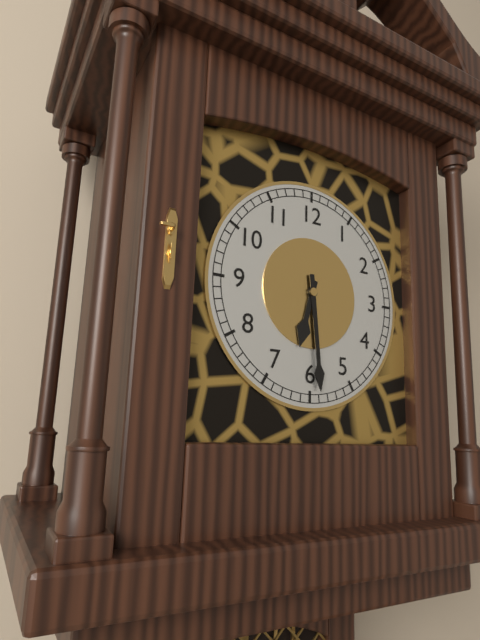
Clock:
6.29
